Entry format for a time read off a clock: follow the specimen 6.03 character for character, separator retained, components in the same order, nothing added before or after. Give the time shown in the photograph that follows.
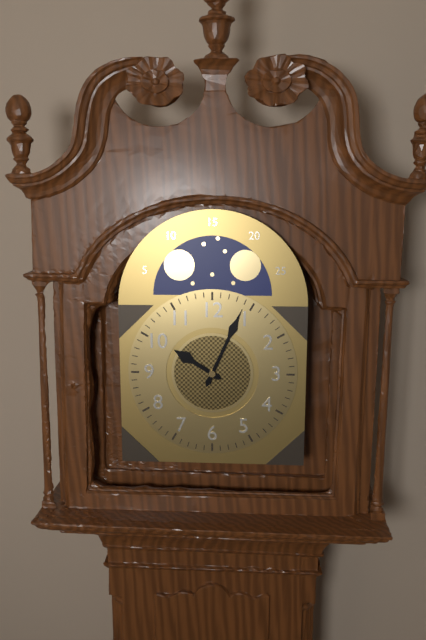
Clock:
10.04
